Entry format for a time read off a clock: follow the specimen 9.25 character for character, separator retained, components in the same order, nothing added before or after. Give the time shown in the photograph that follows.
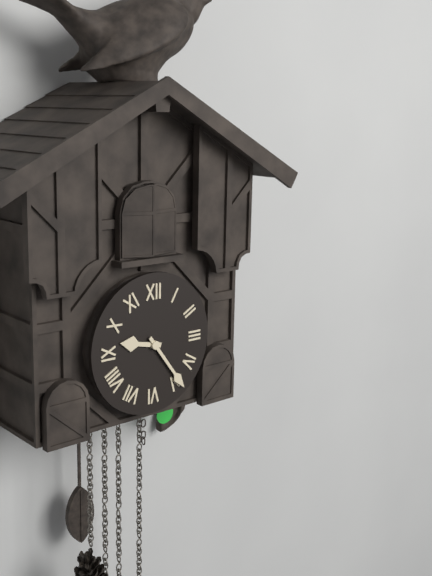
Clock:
9.24
